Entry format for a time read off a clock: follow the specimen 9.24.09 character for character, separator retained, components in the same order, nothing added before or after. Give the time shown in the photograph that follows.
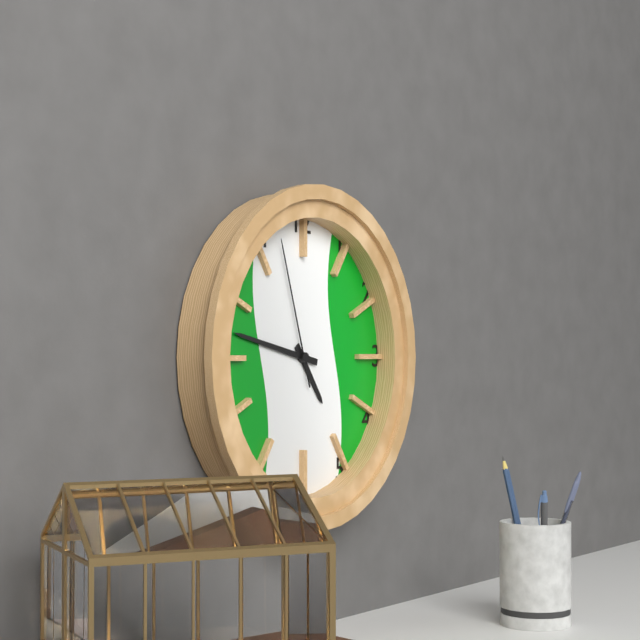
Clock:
4.47.57
